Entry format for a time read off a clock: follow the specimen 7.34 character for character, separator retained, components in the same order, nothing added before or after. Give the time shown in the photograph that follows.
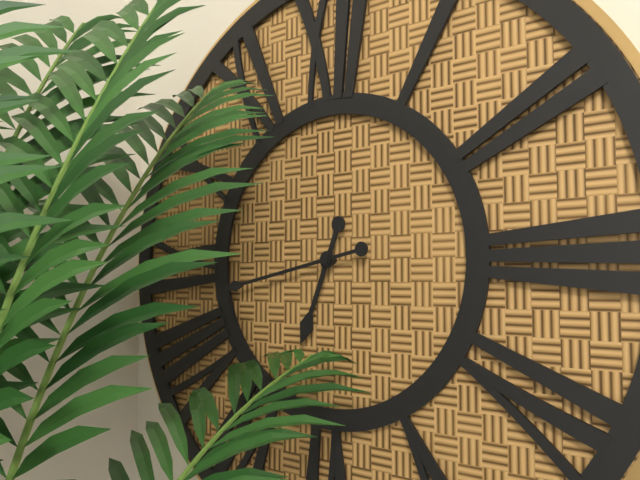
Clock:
6.43
